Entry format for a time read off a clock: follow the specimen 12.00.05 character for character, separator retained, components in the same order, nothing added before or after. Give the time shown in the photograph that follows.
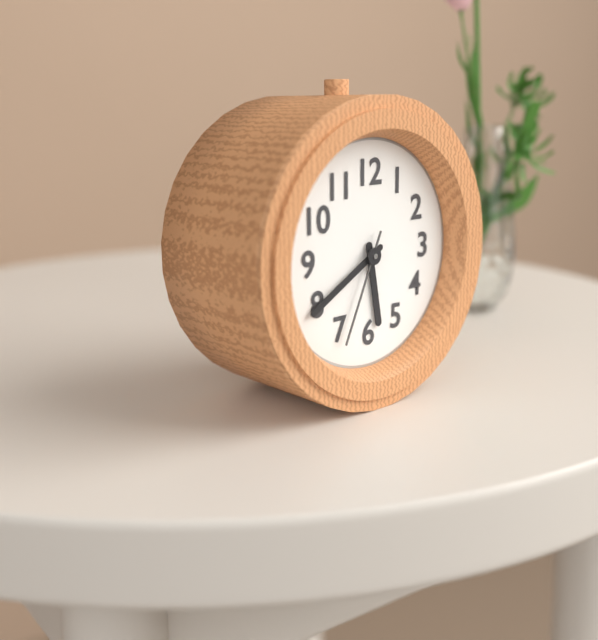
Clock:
5.40.34
